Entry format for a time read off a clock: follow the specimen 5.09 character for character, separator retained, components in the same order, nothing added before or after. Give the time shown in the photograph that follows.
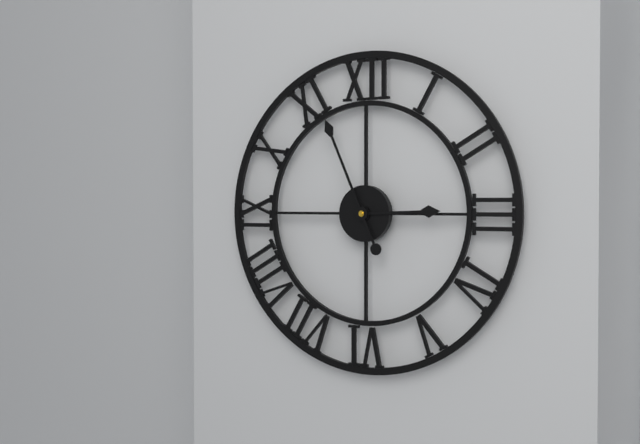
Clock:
2.56
